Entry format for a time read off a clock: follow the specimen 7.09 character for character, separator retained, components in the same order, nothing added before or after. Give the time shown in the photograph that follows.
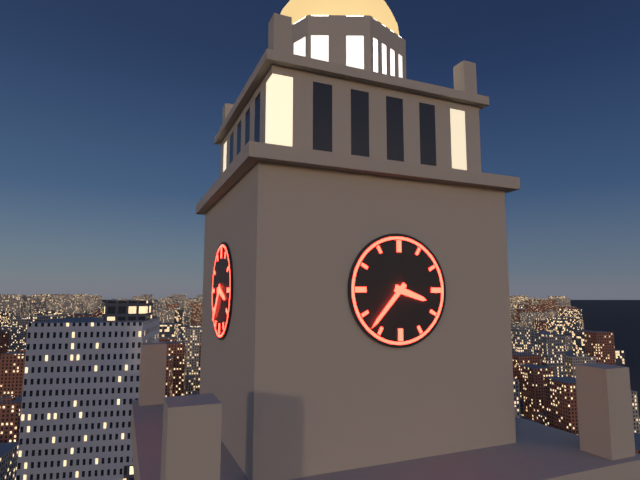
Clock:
3.37
